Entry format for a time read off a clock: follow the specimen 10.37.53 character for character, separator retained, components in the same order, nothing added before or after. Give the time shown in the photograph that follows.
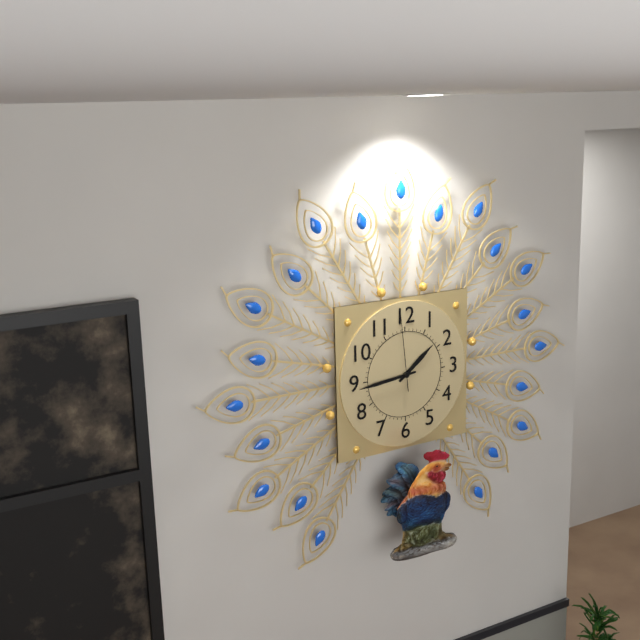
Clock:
1.44.59
